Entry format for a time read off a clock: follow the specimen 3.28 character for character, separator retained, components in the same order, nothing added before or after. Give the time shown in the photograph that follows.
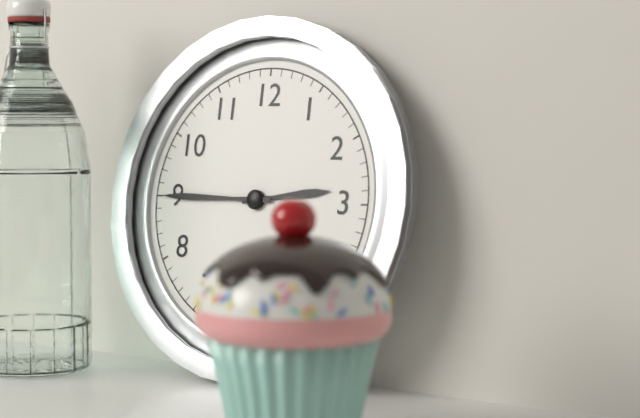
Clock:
2.45
